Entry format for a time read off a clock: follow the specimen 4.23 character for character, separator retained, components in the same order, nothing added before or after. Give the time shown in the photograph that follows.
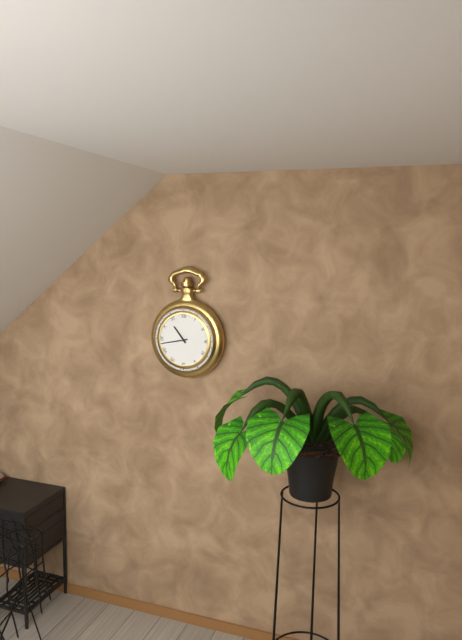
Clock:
10.43
